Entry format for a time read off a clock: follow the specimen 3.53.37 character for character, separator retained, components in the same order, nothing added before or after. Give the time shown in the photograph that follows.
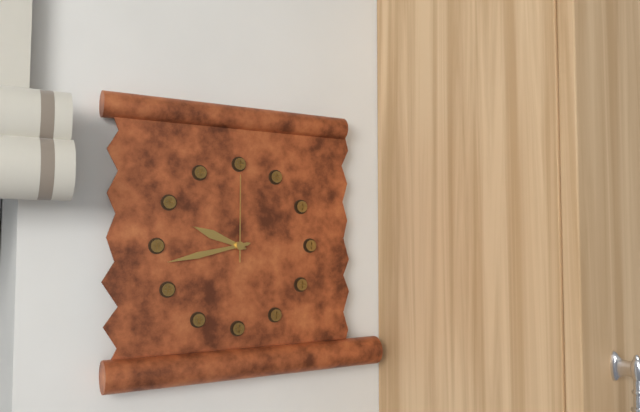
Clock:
9.43.00
